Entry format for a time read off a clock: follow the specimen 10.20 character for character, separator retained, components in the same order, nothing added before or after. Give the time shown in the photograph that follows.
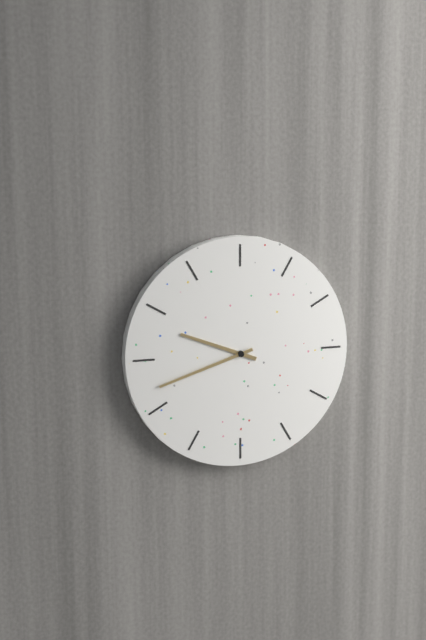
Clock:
9.42
